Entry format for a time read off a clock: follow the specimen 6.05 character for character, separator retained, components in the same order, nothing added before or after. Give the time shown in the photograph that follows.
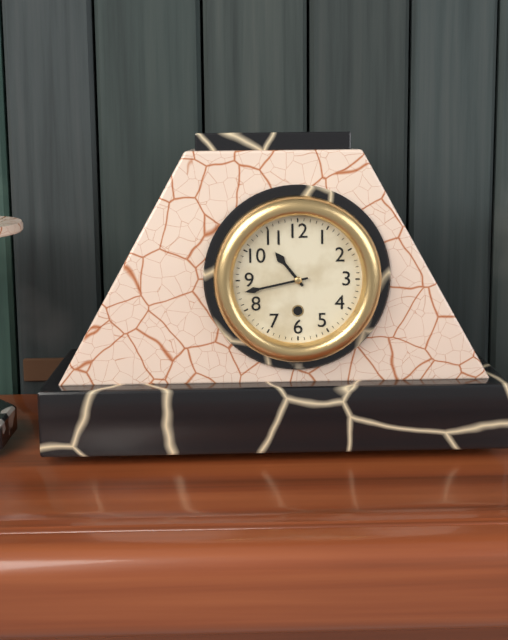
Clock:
10.43
